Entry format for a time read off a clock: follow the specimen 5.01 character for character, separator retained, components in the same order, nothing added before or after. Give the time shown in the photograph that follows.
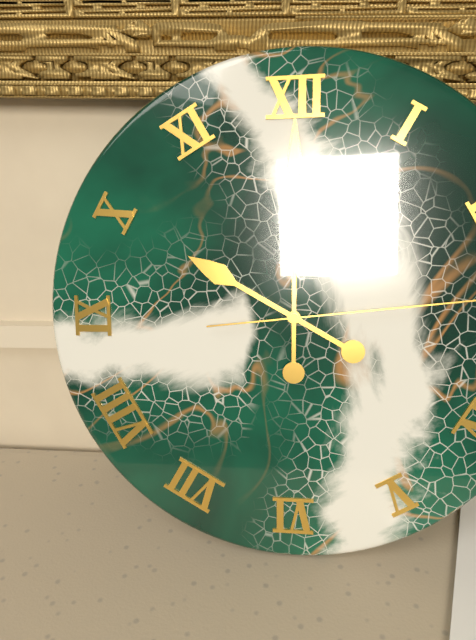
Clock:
10.00
